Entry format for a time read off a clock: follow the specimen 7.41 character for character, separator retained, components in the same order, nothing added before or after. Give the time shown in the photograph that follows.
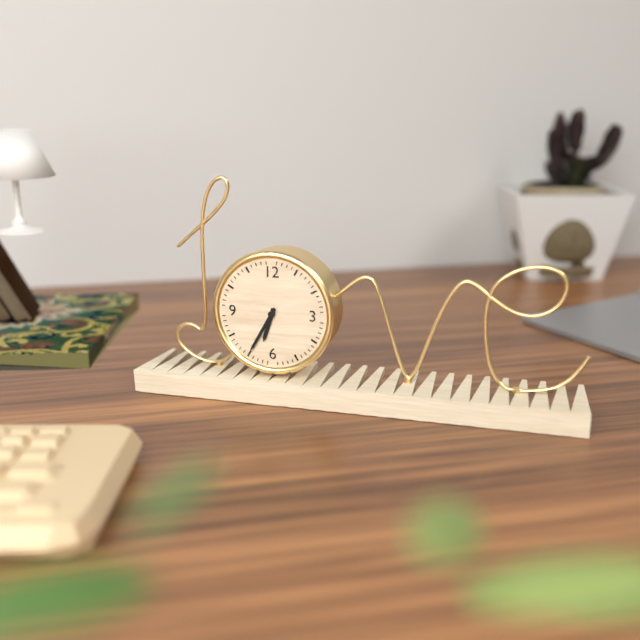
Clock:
6.35
